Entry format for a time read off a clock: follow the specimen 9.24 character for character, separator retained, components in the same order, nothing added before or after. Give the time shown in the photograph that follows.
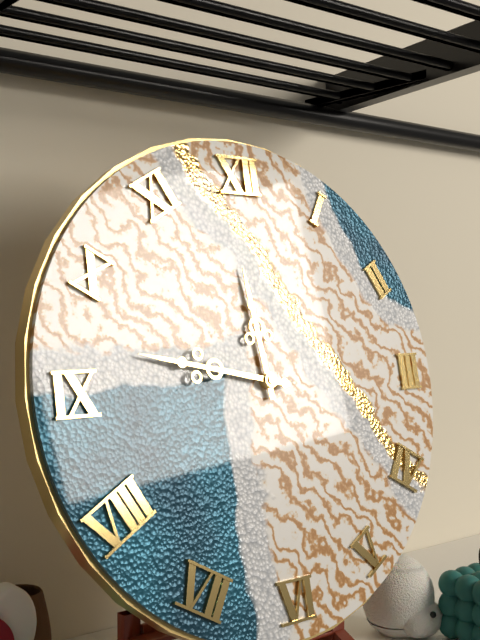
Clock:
11.47
